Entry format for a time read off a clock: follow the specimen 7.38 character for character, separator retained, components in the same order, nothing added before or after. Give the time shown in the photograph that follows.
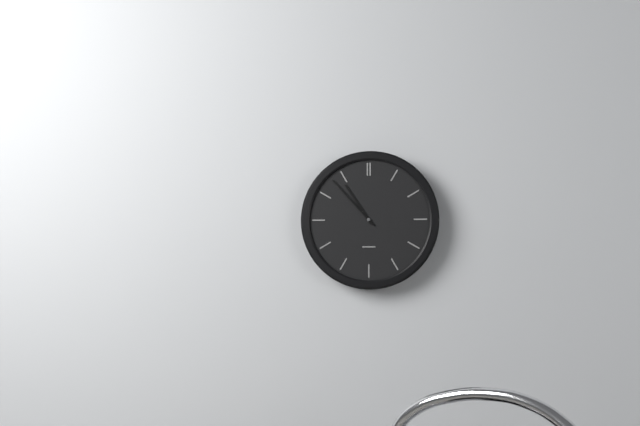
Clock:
10.53
